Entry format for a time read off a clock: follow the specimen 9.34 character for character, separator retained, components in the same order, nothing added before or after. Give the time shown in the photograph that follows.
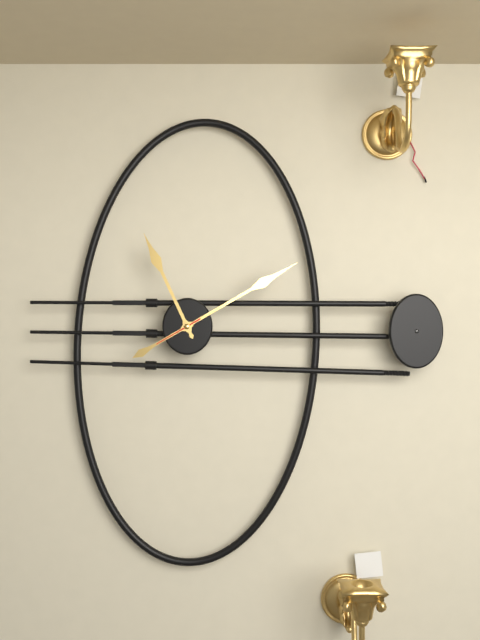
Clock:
11.10
